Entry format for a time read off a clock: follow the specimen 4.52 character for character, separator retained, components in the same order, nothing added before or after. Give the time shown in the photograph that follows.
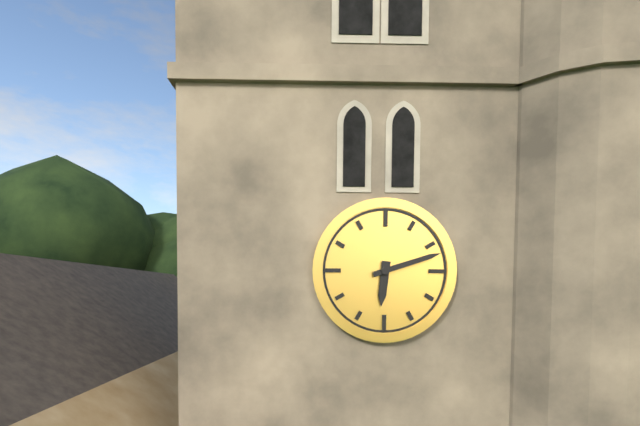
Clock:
6.12
